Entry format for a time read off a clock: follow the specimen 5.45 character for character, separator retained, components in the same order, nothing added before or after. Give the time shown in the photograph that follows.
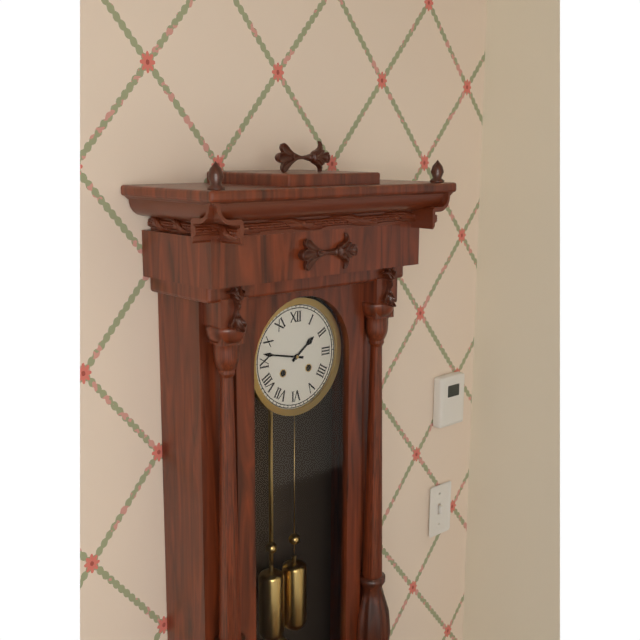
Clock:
1.47
